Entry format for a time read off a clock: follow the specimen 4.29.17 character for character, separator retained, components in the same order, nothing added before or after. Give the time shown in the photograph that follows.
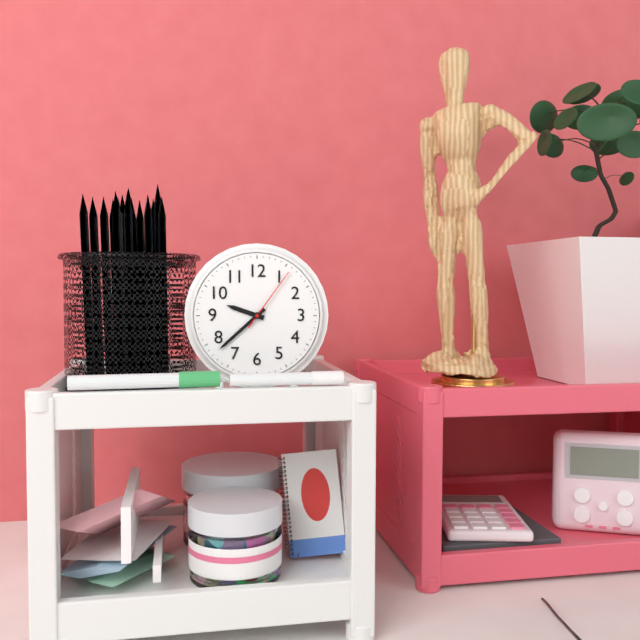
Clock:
9.38.06
